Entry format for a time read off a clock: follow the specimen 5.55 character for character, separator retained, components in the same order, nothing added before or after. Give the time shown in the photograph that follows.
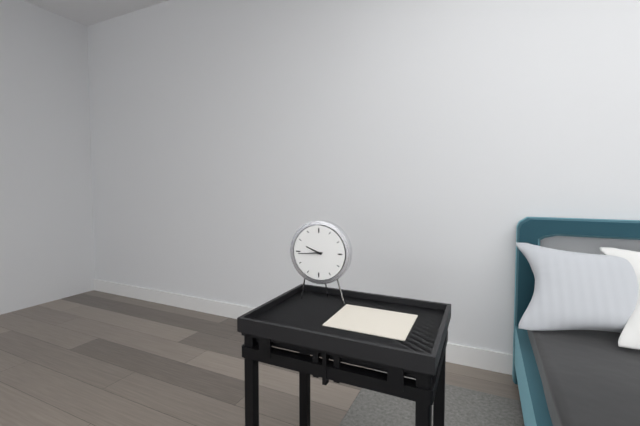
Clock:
9.44
